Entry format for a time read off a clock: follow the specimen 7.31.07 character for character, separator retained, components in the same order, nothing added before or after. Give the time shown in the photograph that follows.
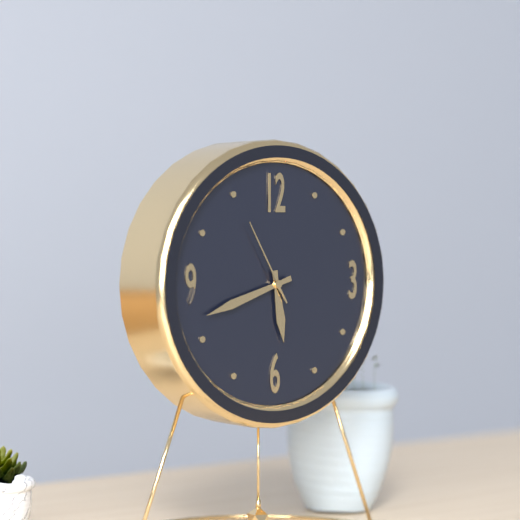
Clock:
5.42.55
